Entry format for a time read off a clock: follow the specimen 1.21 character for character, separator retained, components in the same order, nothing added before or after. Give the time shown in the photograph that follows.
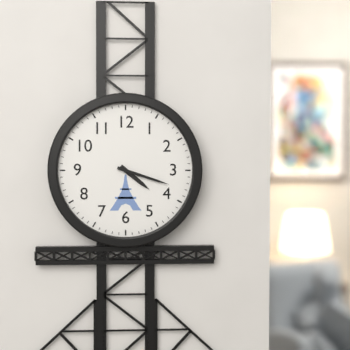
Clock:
4.18
